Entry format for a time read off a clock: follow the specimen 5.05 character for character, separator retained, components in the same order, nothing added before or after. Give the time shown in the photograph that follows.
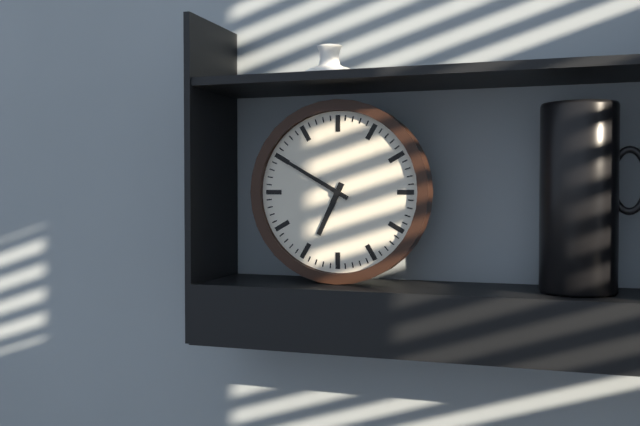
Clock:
6.50
